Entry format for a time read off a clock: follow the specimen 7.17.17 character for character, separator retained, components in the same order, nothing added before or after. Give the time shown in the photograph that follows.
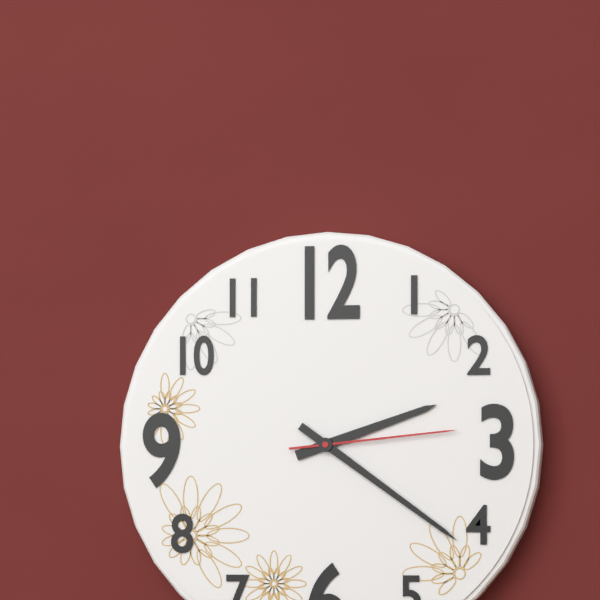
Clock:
2.21.14
